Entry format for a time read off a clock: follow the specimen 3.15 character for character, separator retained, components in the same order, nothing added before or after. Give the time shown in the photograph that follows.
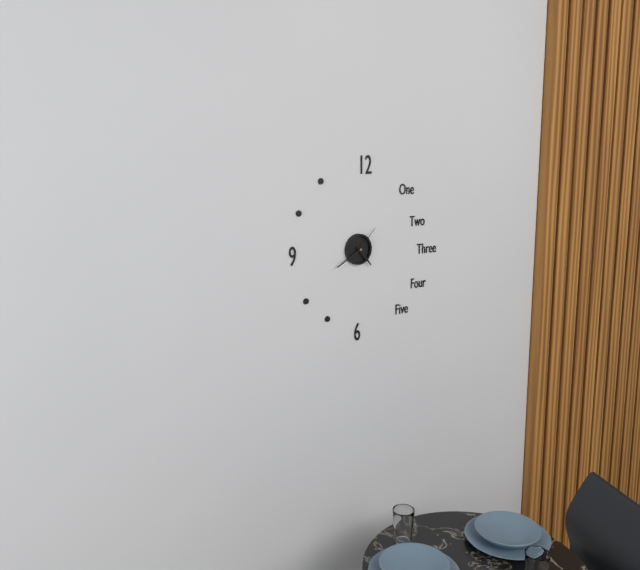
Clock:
4.40
